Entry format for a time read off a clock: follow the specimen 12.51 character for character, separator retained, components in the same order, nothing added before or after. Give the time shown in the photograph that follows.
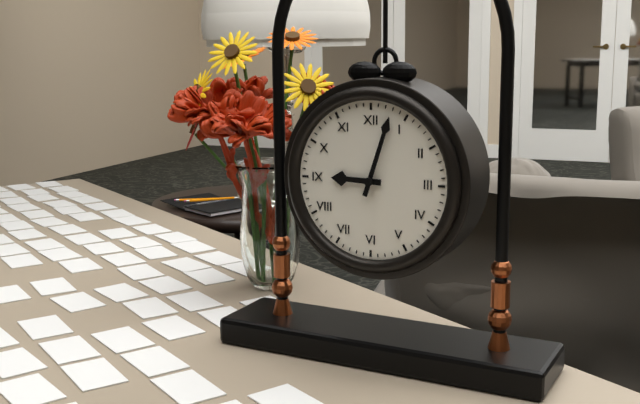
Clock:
9.03
